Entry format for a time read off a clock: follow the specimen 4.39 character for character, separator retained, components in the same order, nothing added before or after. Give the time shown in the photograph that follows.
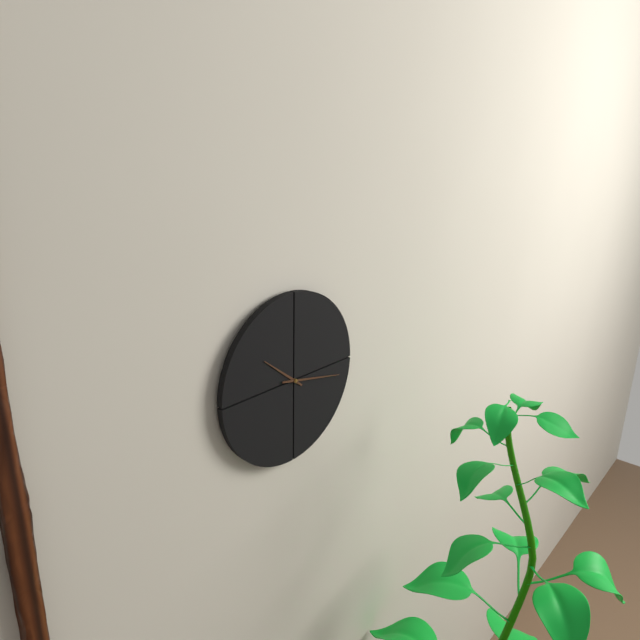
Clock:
10.17
